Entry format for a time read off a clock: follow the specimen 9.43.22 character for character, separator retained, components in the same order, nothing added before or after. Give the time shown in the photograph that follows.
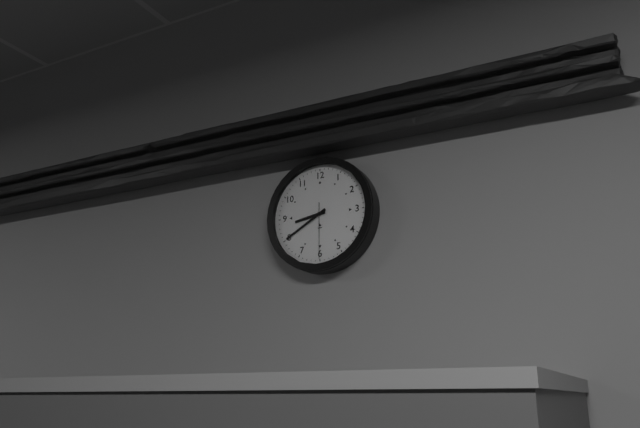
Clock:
8.40.30
